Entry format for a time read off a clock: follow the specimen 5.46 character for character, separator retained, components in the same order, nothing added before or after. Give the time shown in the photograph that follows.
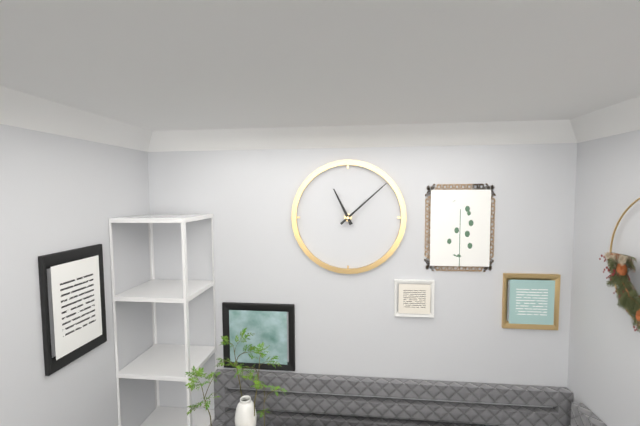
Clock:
11.08
